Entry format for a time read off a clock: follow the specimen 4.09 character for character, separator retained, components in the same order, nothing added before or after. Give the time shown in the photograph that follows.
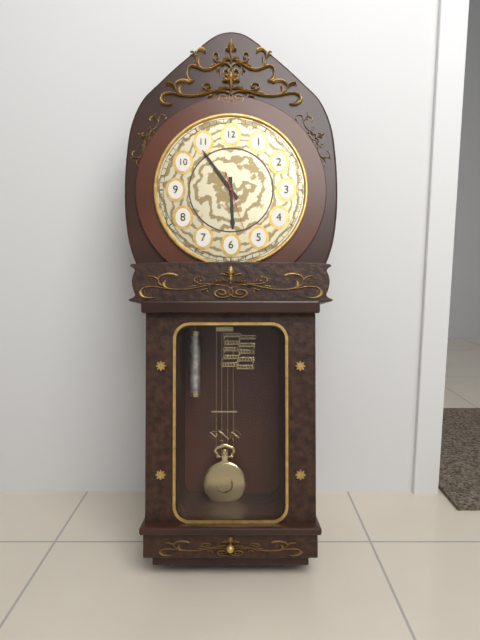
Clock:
5.54
